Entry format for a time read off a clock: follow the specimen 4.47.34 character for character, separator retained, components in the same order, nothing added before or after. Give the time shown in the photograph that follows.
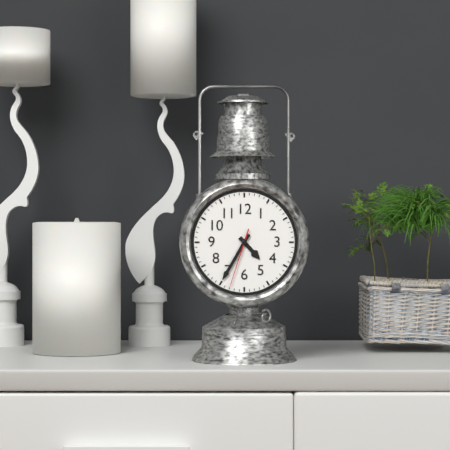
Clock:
4.35.33
